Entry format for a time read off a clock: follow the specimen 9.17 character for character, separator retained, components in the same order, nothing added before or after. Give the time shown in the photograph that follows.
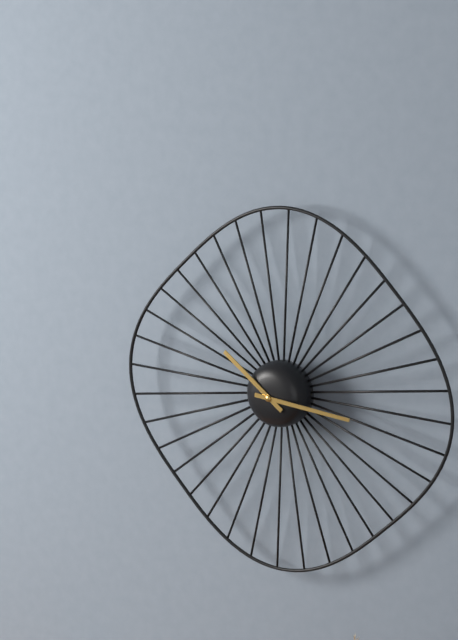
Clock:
10.16
